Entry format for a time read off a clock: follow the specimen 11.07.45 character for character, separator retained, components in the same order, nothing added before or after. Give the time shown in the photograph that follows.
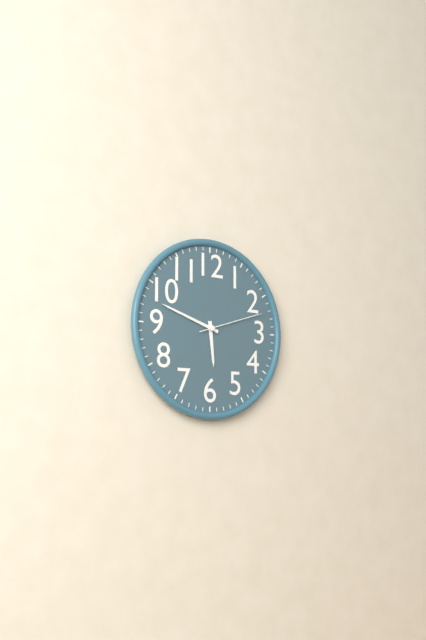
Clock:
5.48.12
